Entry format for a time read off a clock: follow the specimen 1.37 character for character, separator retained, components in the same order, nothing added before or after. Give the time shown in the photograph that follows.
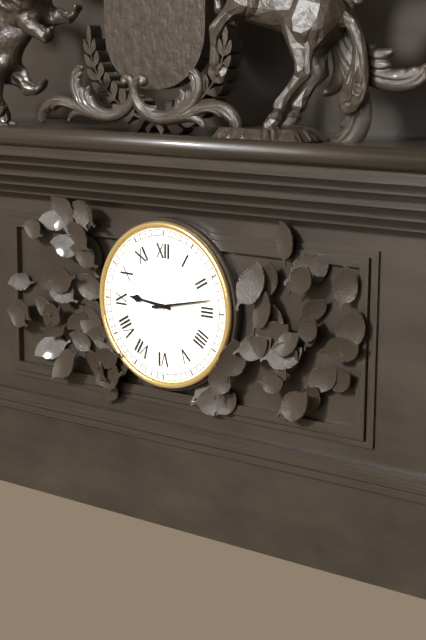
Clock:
9.13
